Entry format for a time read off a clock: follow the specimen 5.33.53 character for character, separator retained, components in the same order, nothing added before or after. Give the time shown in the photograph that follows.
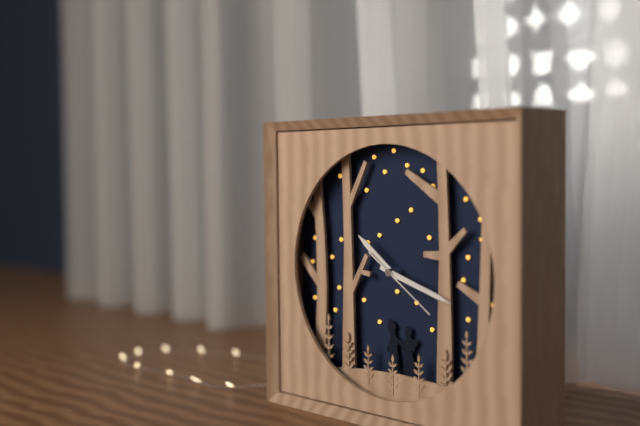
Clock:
10.18.21
